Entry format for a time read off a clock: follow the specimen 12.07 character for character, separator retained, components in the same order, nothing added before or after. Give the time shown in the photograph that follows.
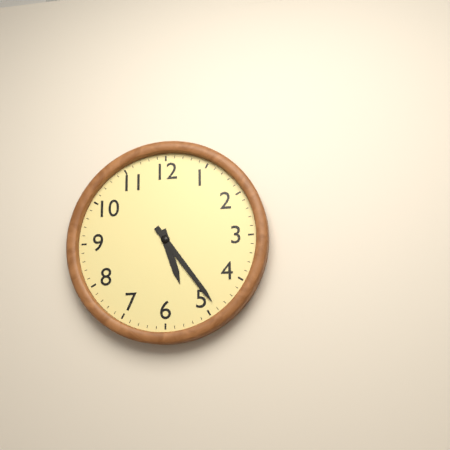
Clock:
5.24
